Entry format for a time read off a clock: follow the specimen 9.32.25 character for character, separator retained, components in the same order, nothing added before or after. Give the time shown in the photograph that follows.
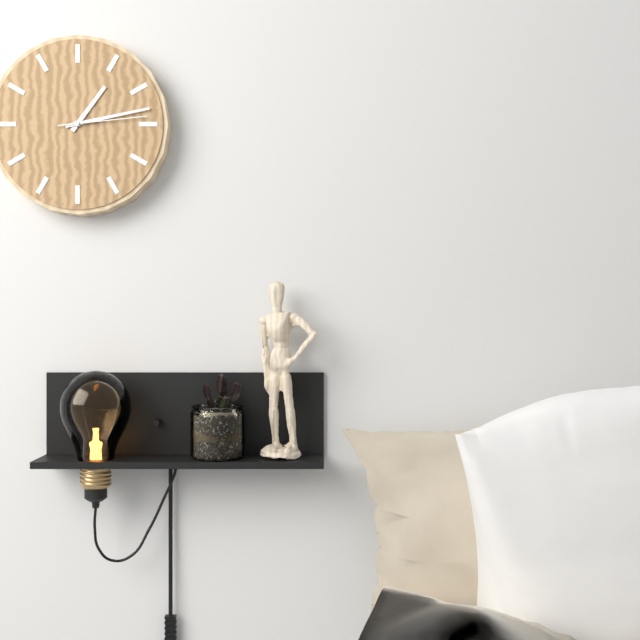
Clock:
1.13.14
